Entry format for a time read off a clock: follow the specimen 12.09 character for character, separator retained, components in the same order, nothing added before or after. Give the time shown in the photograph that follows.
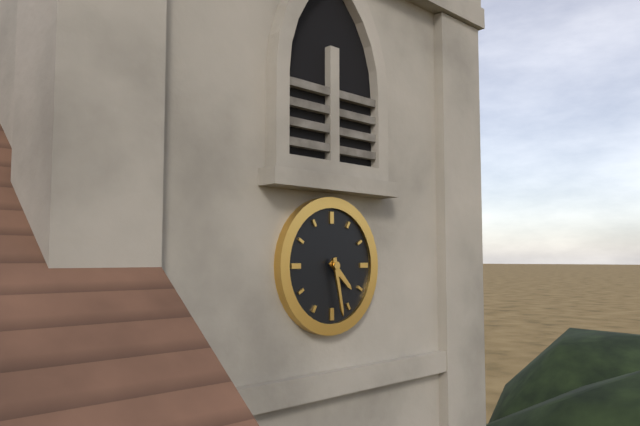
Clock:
4.28
